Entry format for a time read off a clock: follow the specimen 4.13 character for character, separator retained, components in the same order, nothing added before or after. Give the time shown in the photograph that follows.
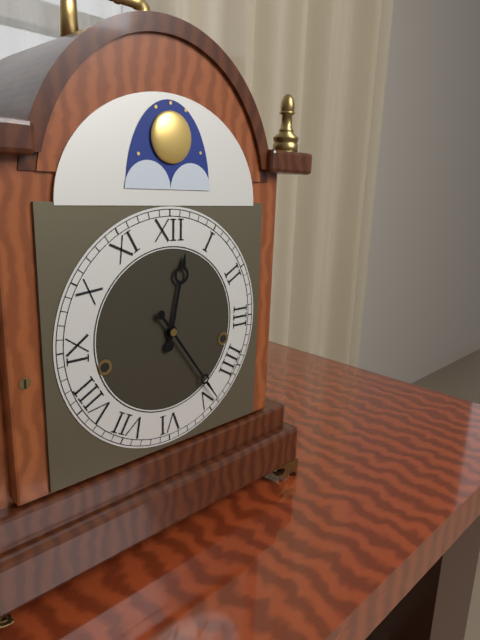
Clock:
12.24
